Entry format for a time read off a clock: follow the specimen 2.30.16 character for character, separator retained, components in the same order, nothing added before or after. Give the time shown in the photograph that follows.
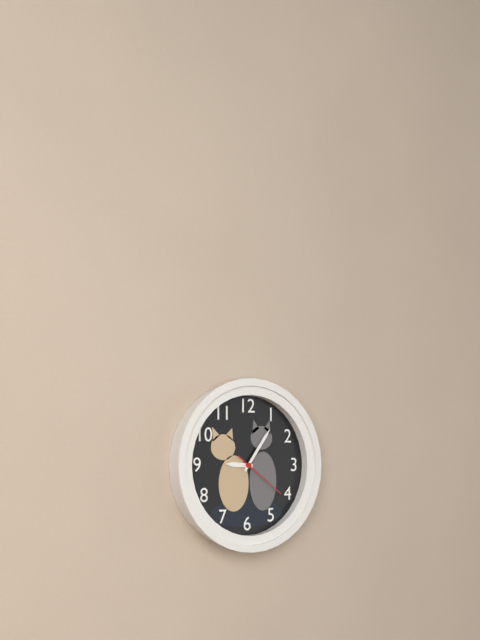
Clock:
9.06.21
